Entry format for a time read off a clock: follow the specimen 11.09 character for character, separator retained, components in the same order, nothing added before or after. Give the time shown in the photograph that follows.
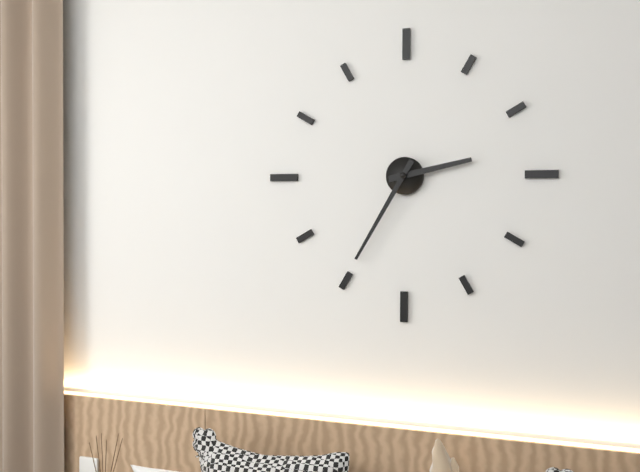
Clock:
2.35
